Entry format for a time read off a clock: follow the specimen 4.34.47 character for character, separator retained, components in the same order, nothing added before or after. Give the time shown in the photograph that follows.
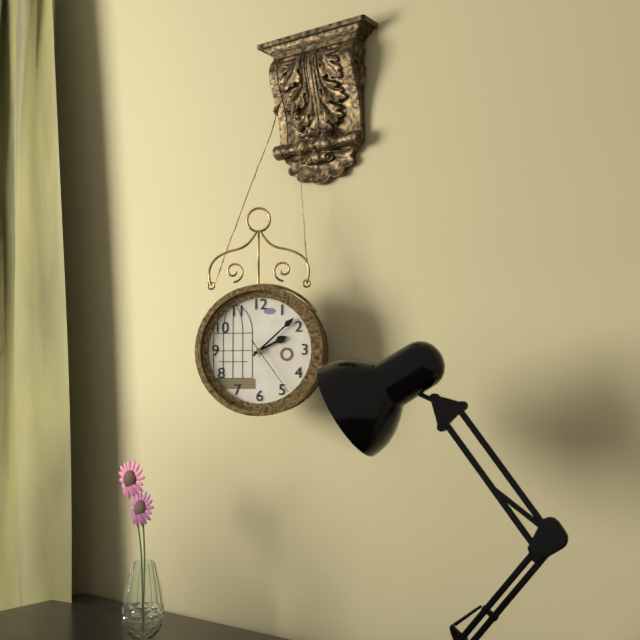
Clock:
2.08.24
